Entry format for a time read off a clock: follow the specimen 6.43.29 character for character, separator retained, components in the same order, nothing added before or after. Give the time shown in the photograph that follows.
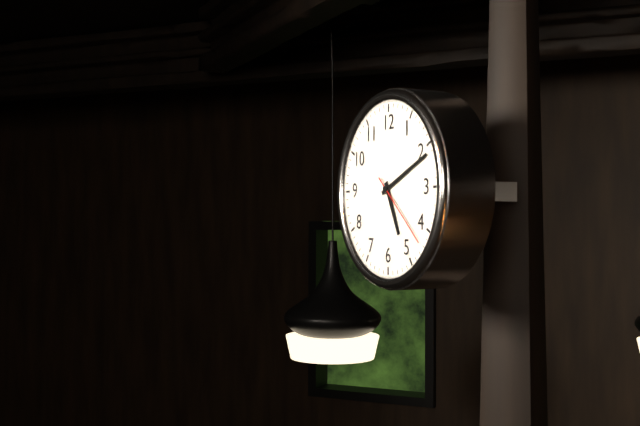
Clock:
5.11.22
